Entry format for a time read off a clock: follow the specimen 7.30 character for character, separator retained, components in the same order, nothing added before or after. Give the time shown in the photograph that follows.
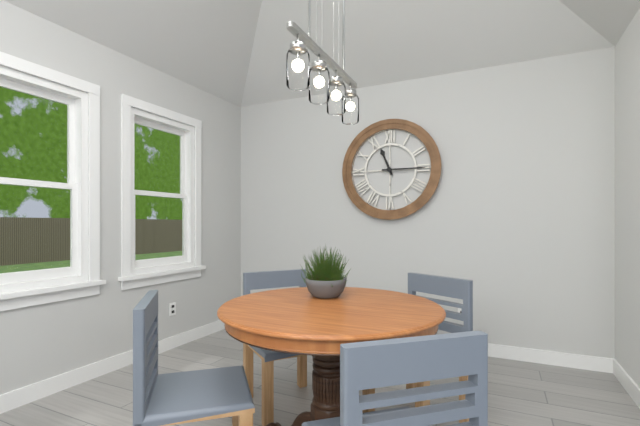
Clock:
11.15
